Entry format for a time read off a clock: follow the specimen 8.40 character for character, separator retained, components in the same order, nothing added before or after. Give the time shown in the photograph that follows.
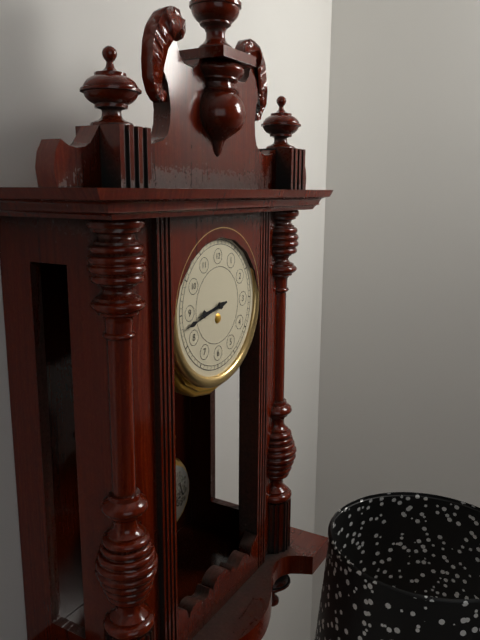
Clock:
8.43
